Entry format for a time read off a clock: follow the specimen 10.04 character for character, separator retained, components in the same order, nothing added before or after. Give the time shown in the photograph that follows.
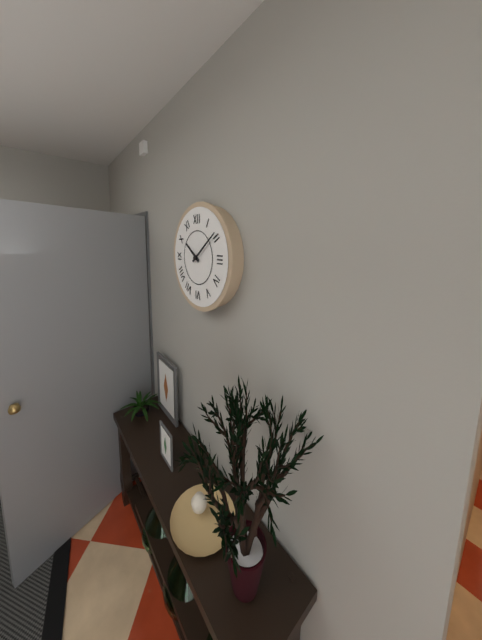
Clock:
10.09
